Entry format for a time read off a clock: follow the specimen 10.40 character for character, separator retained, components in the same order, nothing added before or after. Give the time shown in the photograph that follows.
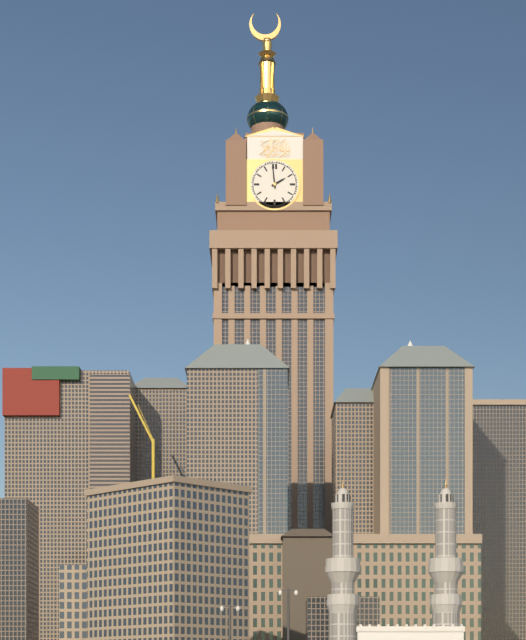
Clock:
1.59
